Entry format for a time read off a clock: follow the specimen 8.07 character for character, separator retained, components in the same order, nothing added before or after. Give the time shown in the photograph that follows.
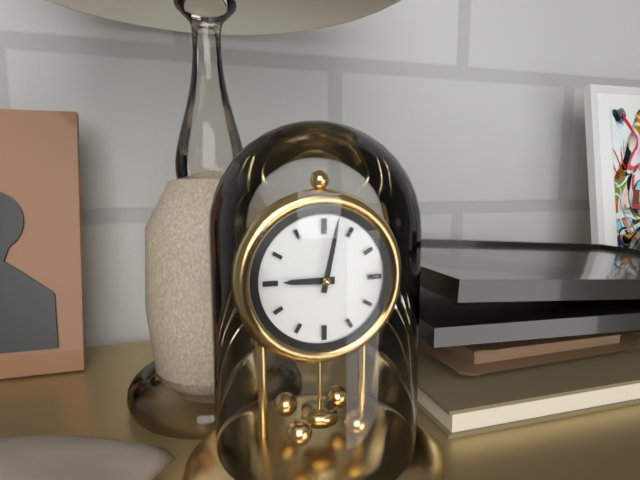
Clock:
9.02
